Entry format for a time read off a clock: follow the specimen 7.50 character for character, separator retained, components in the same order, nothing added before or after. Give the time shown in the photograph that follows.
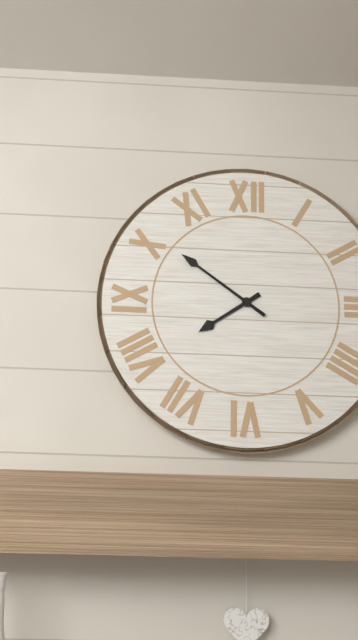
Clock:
7.51
